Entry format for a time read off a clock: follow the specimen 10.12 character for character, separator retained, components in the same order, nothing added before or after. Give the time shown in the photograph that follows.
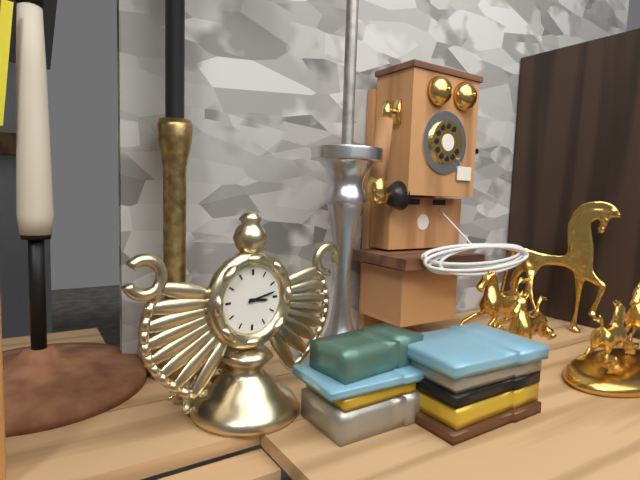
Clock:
3.13
